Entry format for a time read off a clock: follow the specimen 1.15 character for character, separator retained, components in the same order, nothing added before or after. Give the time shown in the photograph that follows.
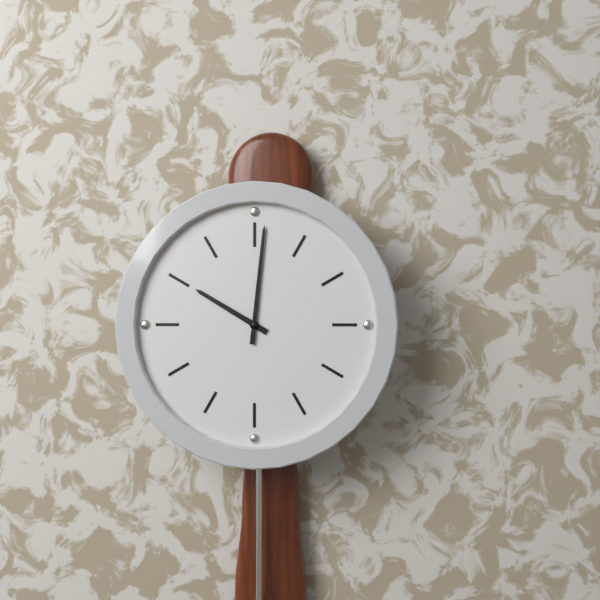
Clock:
10.01
